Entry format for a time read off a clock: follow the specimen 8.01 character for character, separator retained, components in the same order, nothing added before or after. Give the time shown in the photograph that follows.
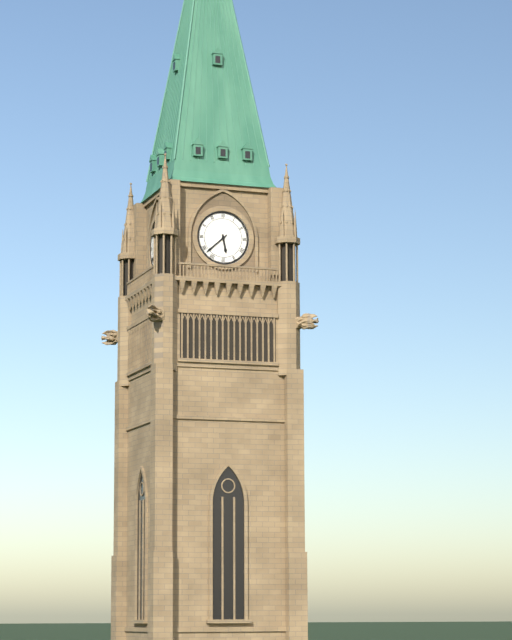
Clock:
5.38
